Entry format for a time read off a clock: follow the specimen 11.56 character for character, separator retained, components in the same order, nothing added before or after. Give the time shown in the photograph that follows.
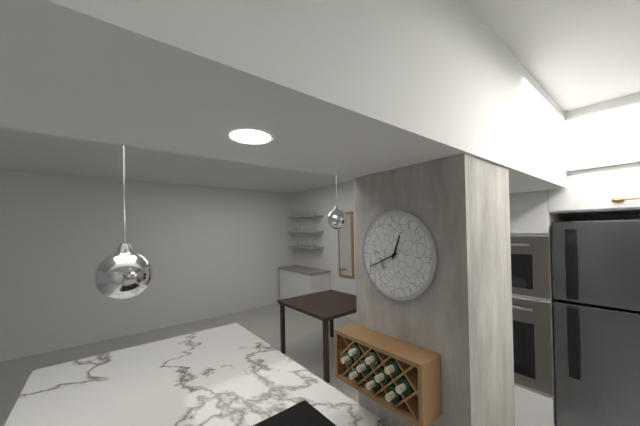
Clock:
12.41
